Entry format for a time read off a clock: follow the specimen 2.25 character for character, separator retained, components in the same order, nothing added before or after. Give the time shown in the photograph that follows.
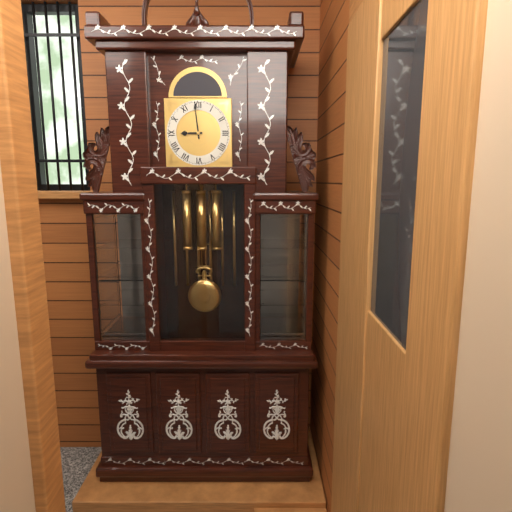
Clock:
8.59
